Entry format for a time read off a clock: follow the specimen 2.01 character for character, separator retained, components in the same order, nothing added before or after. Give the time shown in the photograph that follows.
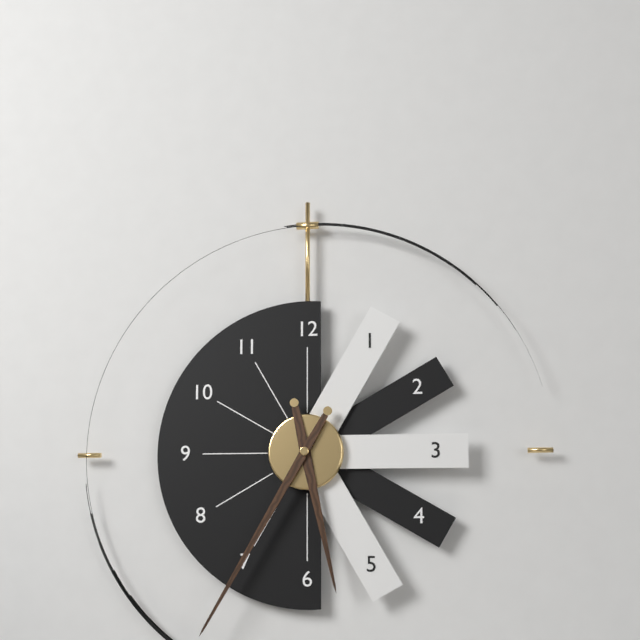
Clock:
5.35
